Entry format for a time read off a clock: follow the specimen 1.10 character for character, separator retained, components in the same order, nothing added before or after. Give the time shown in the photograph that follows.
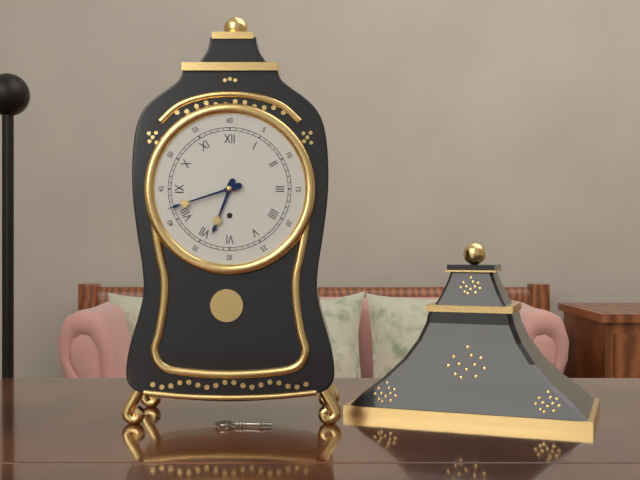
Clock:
6.42
